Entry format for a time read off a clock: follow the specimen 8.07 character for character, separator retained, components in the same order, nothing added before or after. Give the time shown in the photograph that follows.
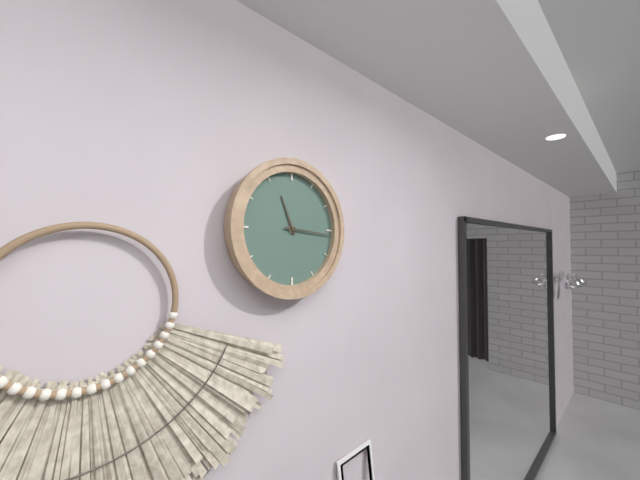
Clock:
11.16
